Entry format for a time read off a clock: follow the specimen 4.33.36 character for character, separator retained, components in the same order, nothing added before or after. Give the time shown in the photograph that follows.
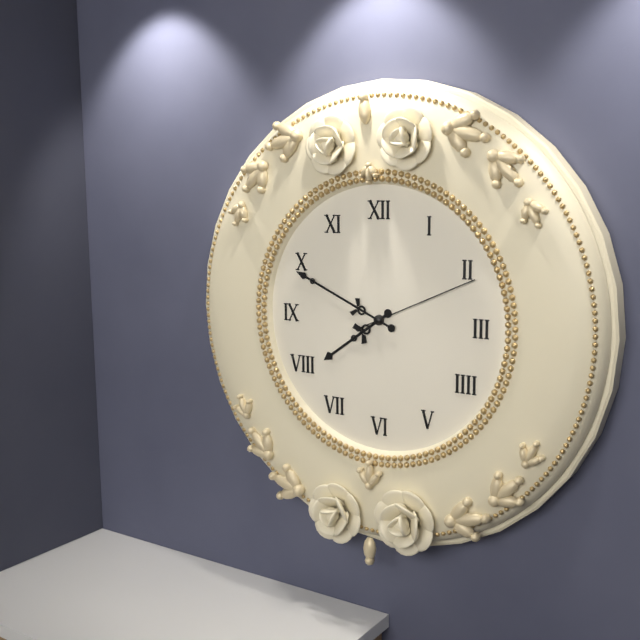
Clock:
7.49.11
